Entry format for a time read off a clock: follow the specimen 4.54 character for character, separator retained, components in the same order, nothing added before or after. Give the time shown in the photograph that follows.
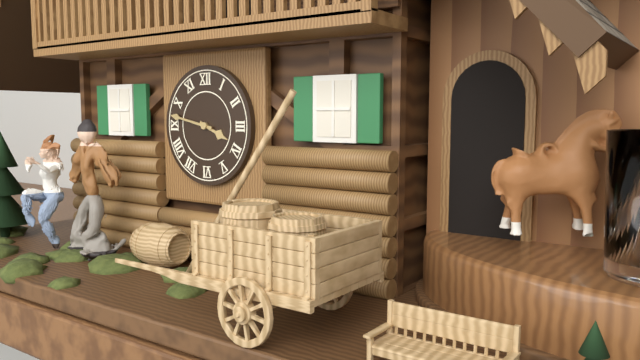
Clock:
3.47
